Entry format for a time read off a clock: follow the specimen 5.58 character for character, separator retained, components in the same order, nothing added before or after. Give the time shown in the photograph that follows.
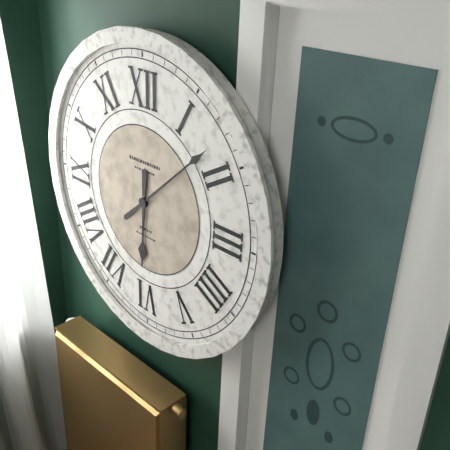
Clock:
6.08
